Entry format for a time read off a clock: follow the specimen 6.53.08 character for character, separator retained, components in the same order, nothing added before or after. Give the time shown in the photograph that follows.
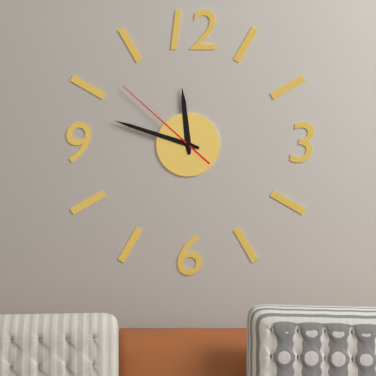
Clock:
11.48.52
